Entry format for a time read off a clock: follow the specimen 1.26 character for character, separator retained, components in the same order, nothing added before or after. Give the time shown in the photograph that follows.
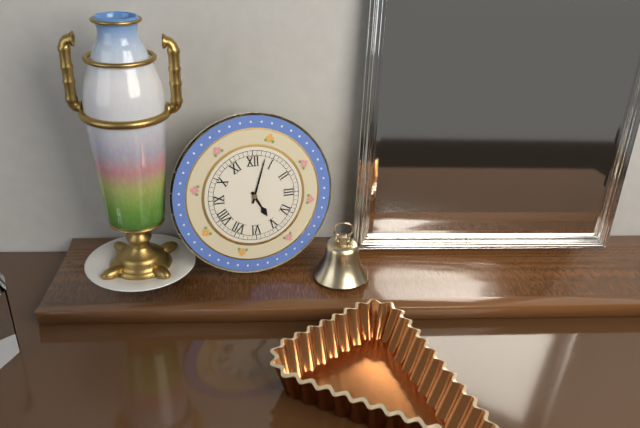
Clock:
5.03
